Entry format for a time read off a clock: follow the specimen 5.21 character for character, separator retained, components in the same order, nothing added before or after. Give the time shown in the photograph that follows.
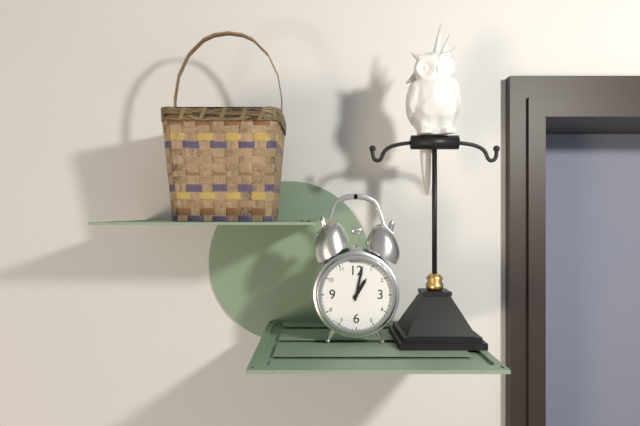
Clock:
1.02
